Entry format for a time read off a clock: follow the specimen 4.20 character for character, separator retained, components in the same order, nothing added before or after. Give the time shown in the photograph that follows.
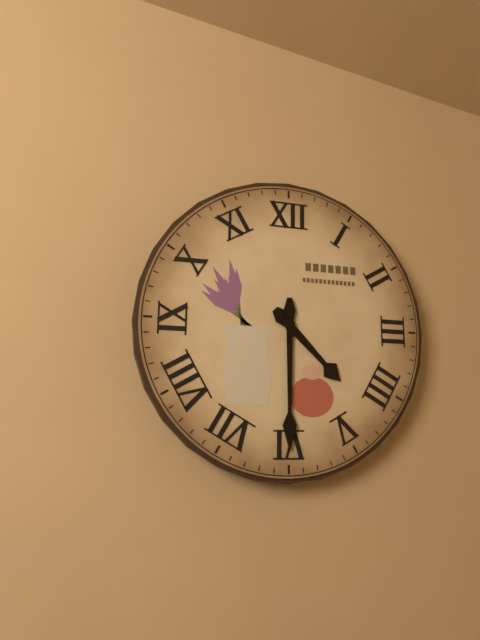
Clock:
4.30
